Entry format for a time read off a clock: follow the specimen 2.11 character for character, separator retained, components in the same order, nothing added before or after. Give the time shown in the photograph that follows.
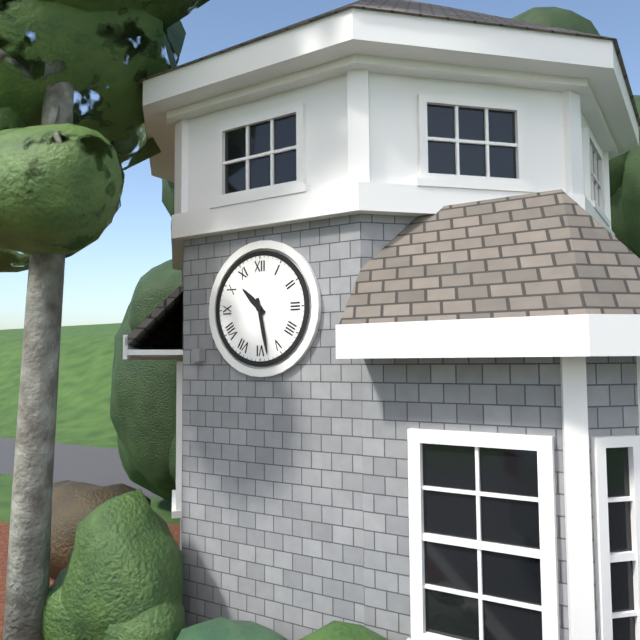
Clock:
10.28
